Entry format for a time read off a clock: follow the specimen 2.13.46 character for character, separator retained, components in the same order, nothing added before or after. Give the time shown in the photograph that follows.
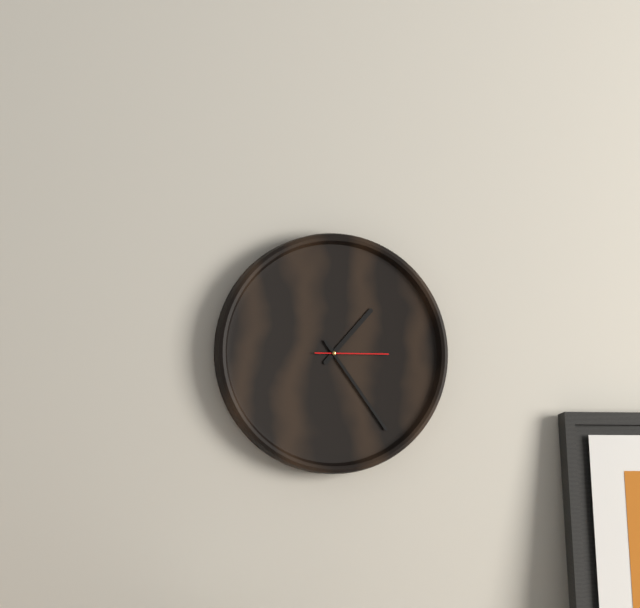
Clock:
1.24.15
